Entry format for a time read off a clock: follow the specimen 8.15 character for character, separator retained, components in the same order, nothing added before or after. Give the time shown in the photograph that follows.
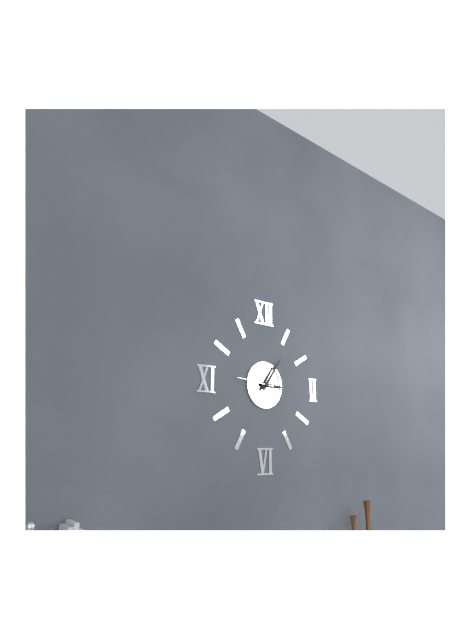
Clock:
3.06
